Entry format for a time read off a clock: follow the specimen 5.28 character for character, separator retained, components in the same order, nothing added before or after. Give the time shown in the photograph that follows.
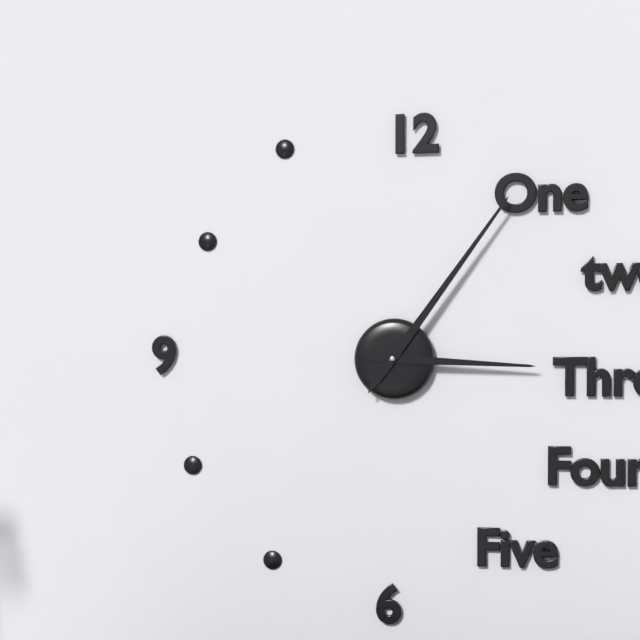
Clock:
3.06
